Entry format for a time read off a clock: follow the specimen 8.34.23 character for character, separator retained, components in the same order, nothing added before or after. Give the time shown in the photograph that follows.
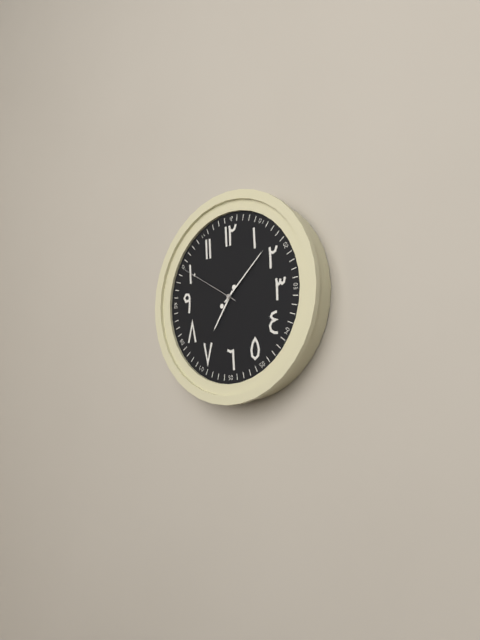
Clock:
7.08.50
